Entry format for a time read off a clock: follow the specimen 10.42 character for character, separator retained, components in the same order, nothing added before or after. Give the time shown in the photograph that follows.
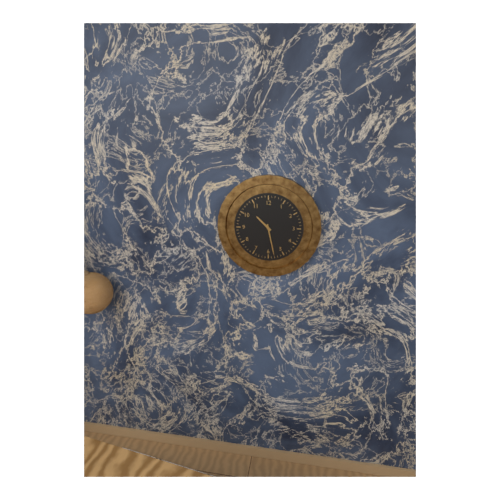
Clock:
10.28
